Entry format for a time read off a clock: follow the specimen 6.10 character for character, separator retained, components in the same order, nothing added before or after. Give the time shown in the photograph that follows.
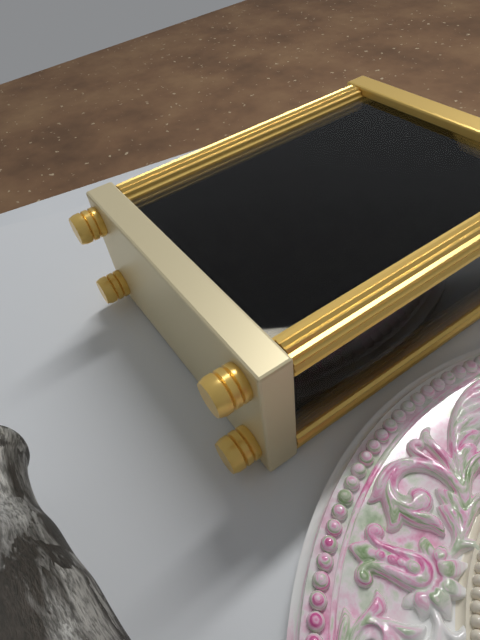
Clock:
8.25
